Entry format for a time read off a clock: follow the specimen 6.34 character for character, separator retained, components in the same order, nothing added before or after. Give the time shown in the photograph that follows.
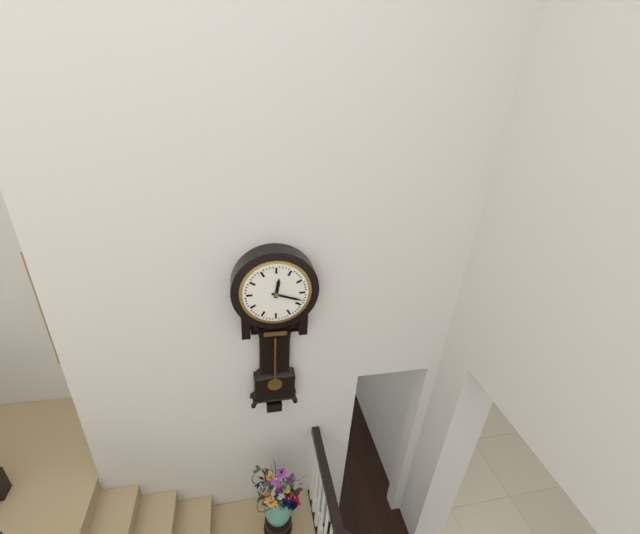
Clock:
12.18
